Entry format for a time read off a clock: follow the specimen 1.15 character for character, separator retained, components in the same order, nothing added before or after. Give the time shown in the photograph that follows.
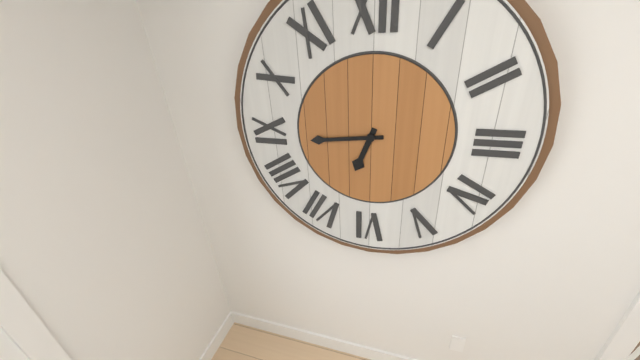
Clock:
6.44
